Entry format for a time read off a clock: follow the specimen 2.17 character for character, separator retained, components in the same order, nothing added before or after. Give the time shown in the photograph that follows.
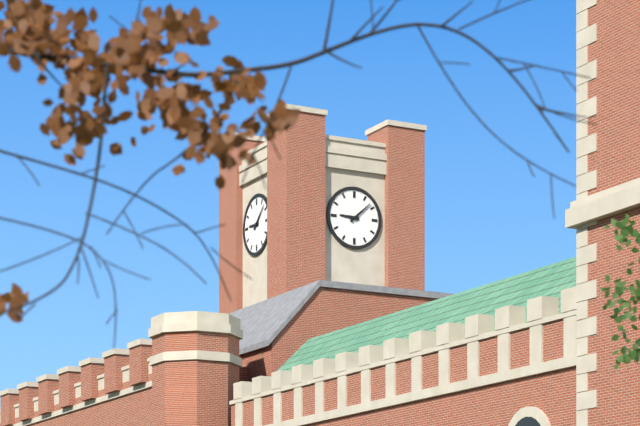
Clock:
9.08
